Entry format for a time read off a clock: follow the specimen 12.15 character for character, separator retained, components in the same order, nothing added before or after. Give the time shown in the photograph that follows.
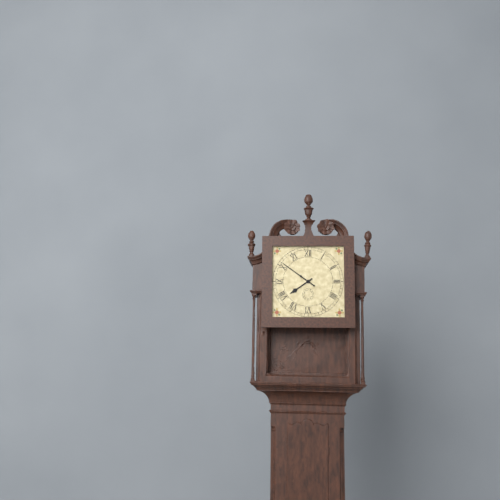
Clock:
7.51
